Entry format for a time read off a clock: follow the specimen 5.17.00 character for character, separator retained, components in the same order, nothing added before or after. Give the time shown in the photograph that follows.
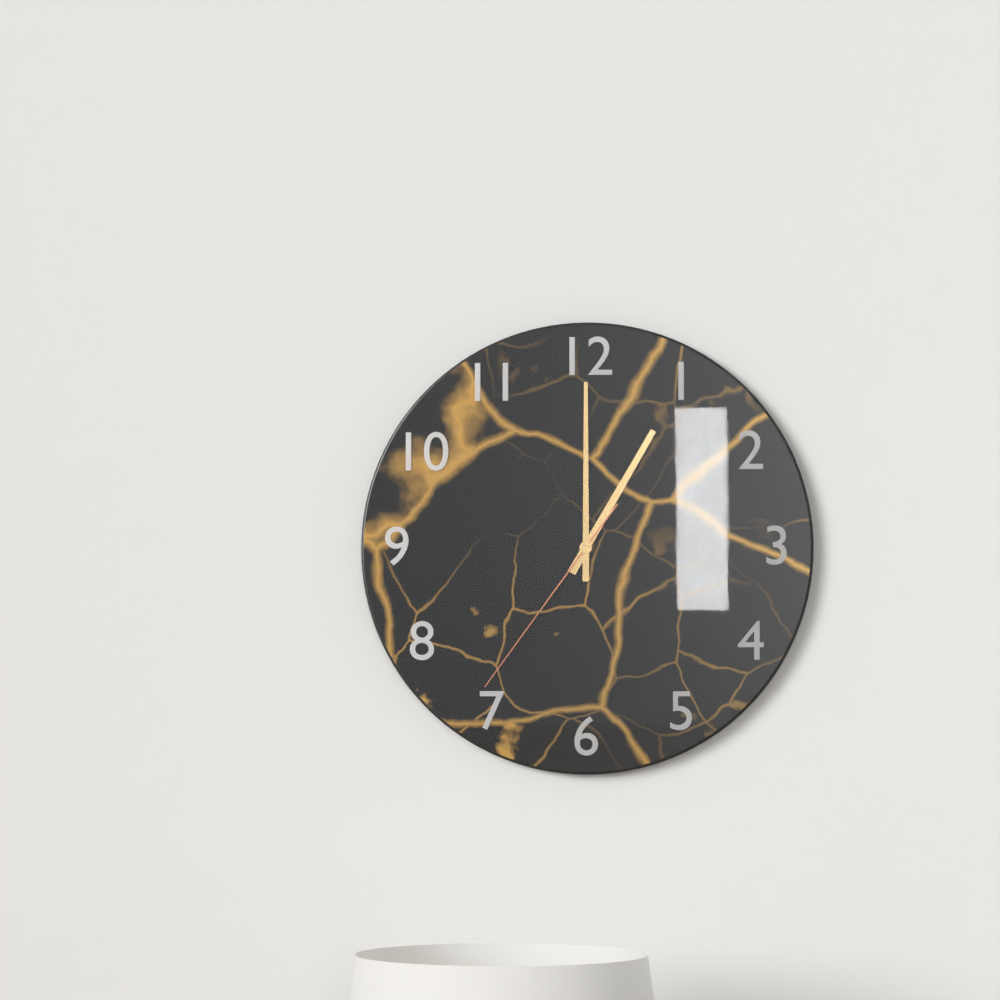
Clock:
1.00.36
